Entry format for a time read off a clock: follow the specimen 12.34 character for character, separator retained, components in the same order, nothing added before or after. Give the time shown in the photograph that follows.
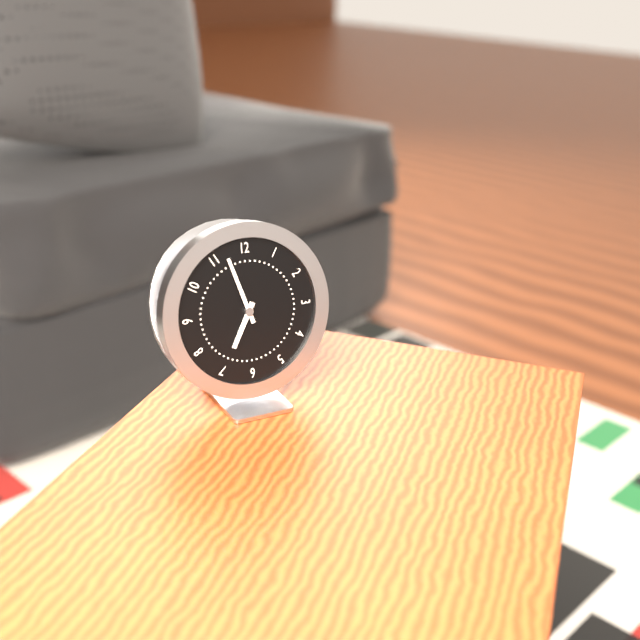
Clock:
6.57
